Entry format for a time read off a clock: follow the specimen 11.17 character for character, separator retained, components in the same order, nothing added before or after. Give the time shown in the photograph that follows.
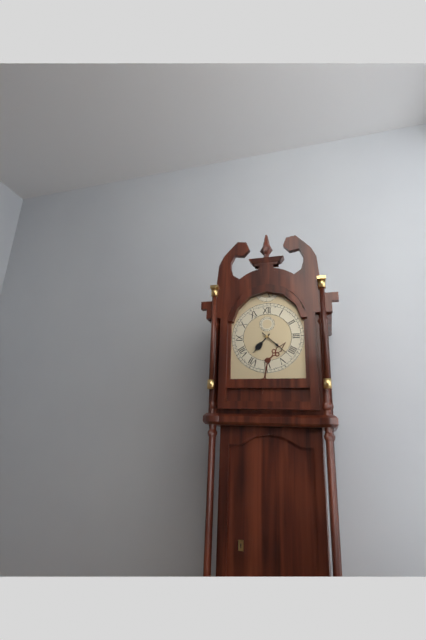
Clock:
7.22
